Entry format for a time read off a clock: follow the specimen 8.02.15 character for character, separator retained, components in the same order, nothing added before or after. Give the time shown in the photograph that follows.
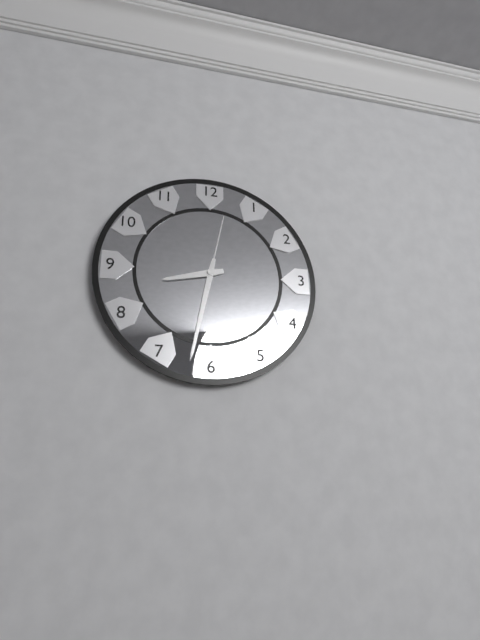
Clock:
8.32.02
